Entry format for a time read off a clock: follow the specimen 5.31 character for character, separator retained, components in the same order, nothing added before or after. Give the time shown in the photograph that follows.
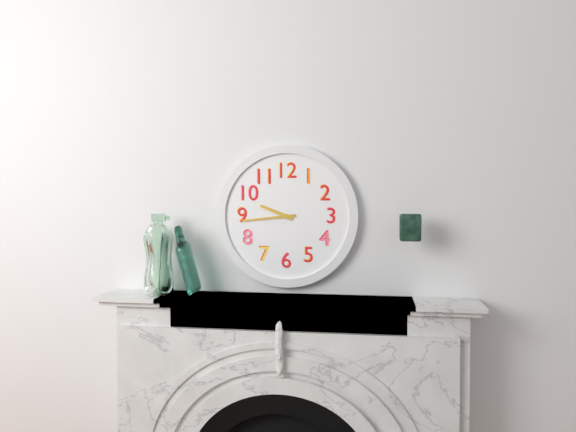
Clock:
9.44
